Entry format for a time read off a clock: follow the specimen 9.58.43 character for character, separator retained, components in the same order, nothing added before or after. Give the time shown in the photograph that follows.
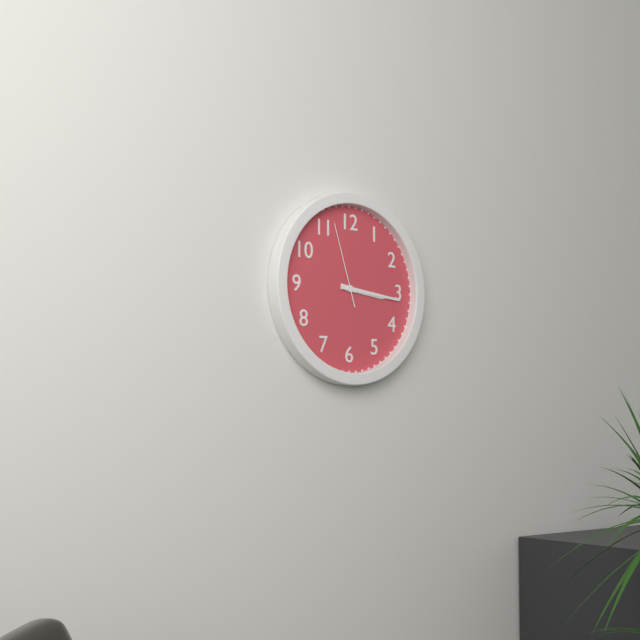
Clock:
3.16.57
